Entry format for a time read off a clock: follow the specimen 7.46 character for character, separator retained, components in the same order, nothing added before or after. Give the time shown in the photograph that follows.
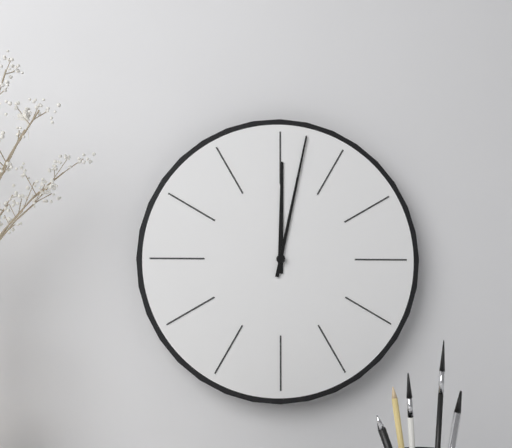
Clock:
12.02
